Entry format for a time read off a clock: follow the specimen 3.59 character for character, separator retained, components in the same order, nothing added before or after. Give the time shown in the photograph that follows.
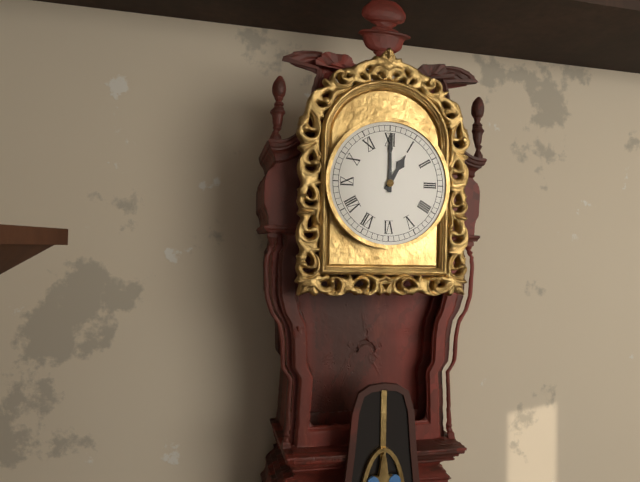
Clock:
1.00
